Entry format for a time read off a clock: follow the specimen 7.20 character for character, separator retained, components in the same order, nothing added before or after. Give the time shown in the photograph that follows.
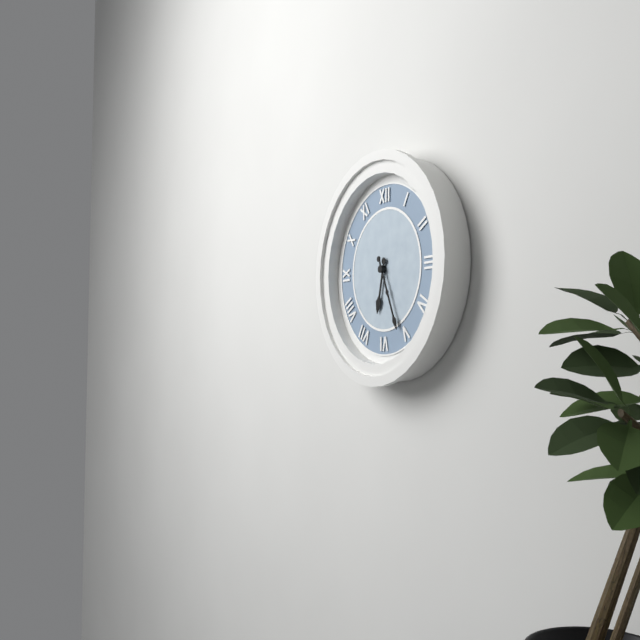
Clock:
6.26
